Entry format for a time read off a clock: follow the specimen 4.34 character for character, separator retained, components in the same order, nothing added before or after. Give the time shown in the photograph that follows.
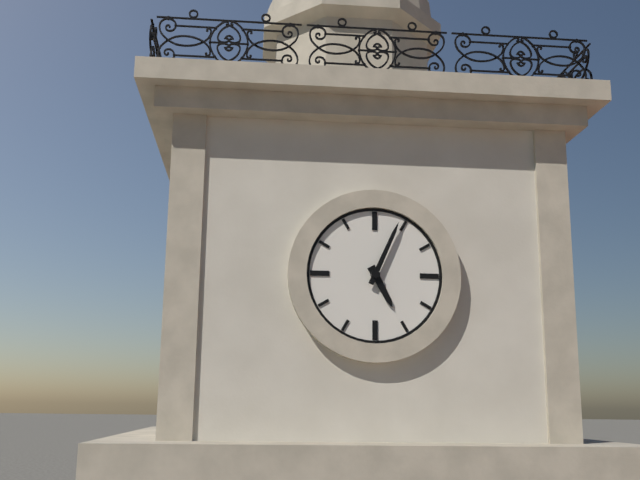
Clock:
5.04
